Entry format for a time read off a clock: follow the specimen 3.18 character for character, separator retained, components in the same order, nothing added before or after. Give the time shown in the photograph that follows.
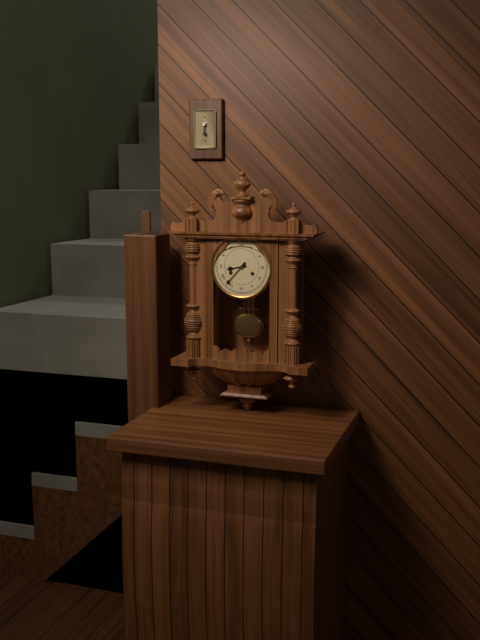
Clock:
8.37
